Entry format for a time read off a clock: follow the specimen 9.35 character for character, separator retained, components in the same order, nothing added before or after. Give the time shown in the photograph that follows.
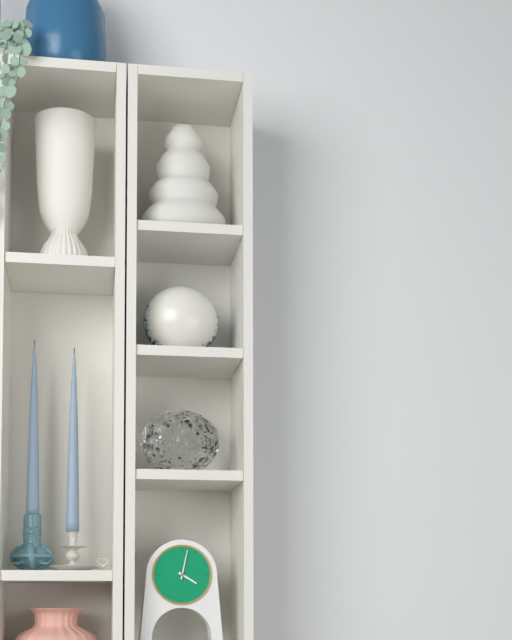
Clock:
4.02
